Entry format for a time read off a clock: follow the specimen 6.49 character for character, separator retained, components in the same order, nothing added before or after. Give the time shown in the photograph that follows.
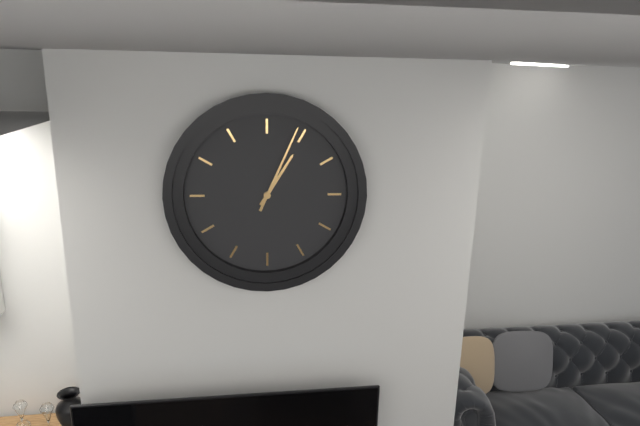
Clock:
1.04
